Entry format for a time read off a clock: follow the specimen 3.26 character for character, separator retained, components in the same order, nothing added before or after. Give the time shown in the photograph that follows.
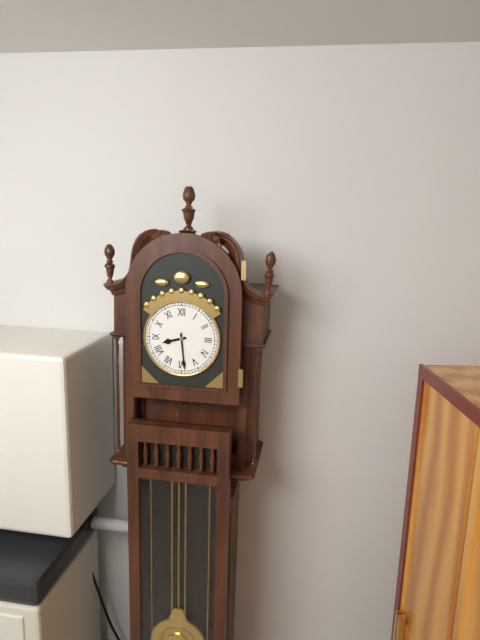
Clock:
8.29
